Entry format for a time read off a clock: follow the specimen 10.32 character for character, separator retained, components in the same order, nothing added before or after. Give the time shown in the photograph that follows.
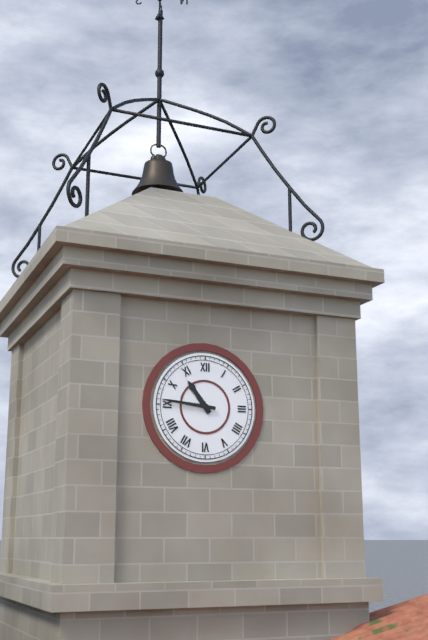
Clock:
10.46
